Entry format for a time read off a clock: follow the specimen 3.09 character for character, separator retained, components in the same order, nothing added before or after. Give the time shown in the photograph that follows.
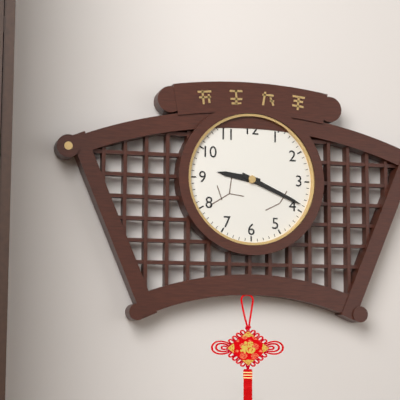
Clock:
9.19
